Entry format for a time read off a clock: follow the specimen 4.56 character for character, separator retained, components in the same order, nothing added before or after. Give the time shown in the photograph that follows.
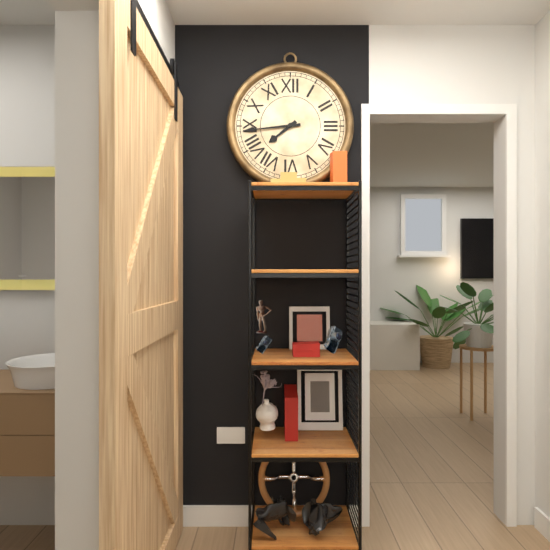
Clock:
7.44
